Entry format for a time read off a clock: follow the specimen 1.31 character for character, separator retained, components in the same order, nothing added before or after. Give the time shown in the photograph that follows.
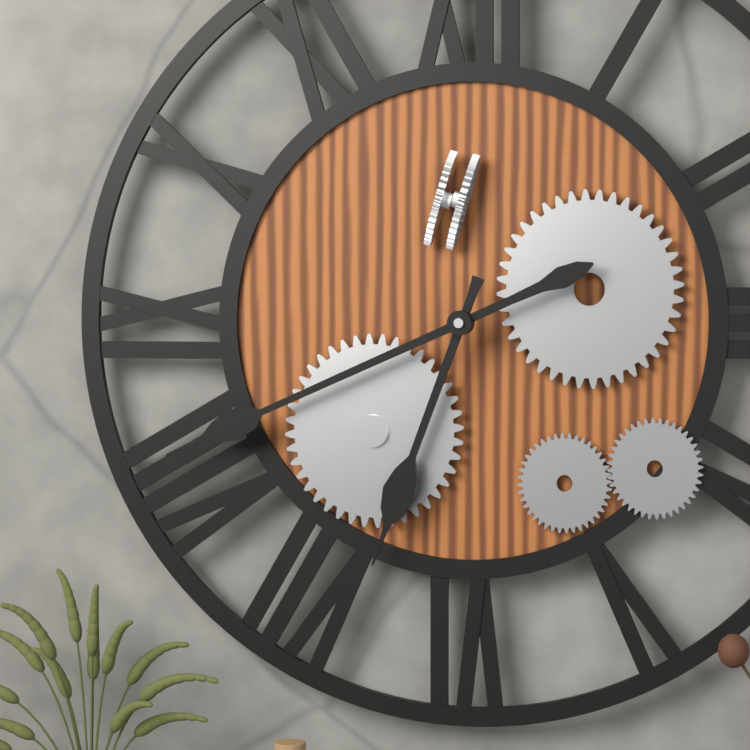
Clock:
6.41
